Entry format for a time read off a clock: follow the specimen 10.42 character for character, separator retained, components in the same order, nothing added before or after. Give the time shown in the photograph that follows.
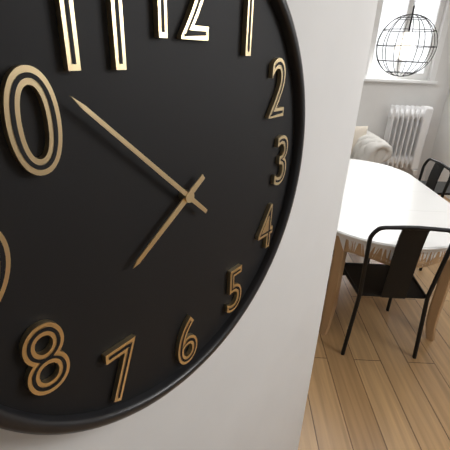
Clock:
7.52
